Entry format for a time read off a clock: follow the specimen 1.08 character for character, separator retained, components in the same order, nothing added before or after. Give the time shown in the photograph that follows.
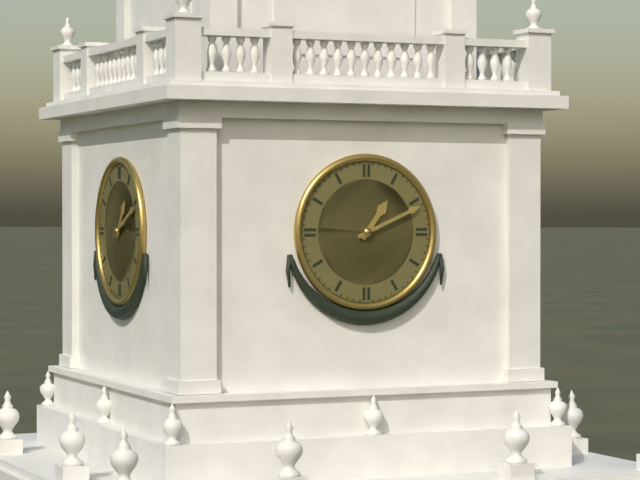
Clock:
1.11
